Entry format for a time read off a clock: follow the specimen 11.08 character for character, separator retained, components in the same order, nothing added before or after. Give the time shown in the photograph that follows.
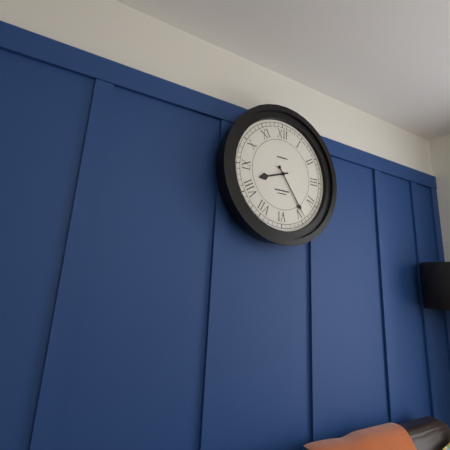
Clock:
8.24
